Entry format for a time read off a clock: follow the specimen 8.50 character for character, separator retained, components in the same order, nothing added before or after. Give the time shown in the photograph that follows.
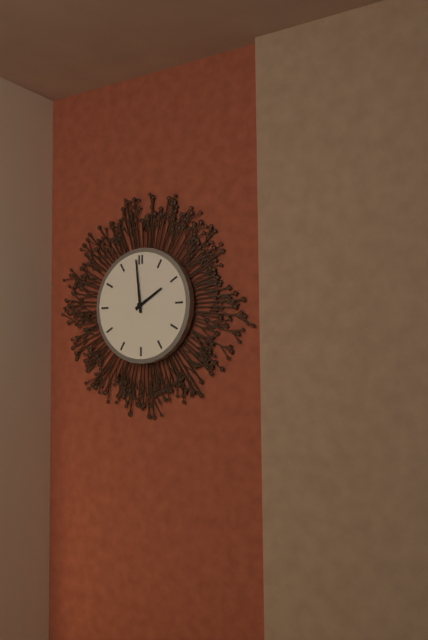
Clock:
1.59
